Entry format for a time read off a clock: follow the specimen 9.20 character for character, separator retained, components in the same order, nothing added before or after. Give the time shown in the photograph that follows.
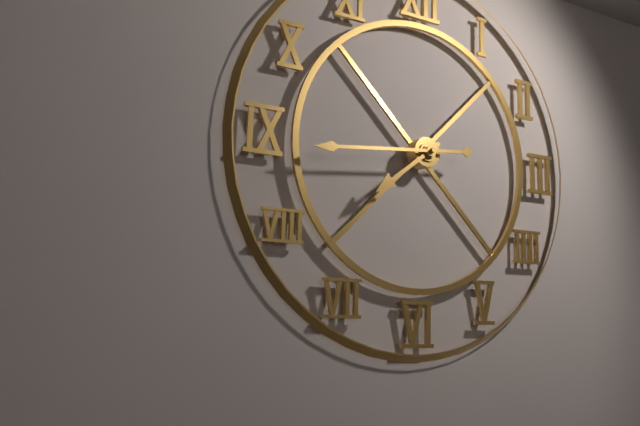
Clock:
7.44
